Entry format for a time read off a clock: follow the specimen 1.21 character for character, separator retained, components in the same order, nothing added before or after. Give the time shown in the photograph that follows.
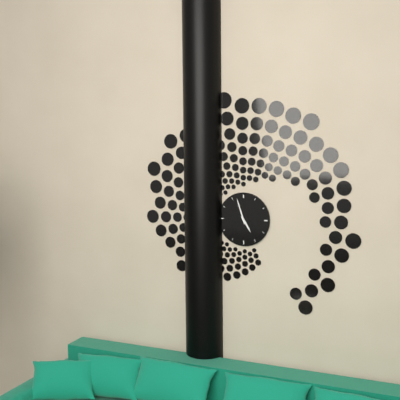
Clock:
4.57
